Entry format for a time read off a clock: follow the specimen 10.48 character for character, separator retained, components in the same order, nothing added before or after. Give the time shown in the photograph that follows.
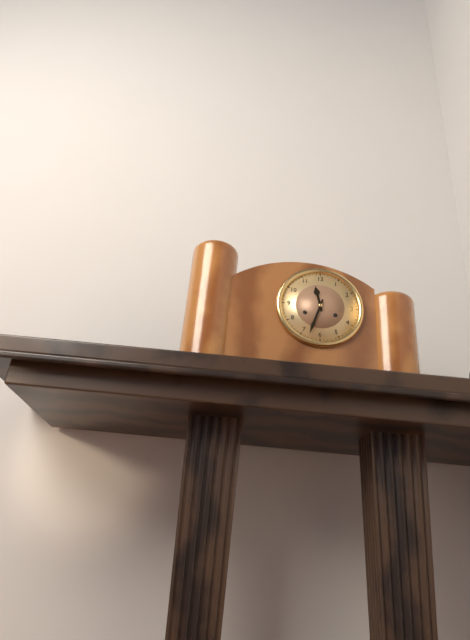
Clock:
11.33
